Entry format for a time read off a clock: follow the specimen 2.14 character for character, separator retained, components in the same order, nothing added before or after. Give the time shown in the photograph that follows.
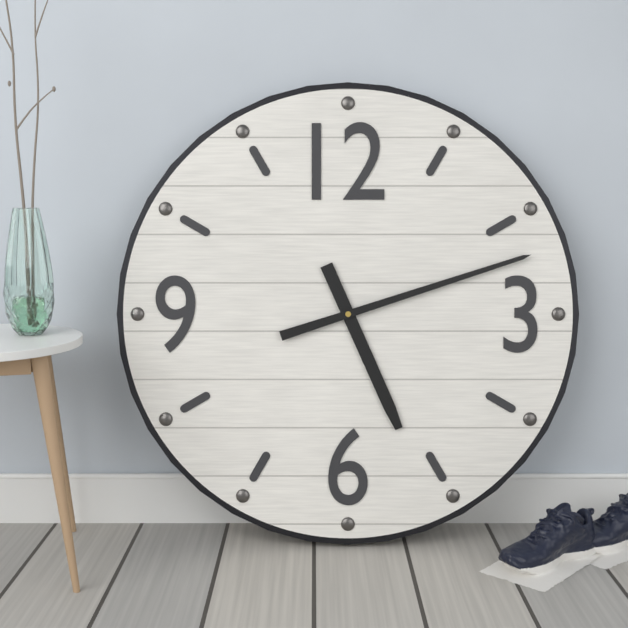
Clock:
5.12
